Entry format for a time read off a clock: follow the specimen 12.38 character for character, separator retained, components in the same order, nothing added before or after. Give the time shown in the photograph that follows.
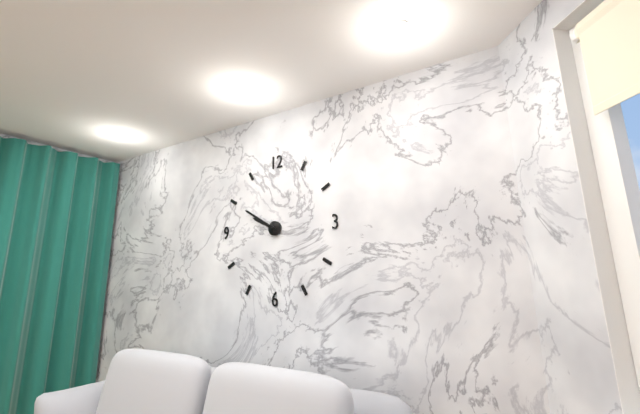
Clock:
9.50
